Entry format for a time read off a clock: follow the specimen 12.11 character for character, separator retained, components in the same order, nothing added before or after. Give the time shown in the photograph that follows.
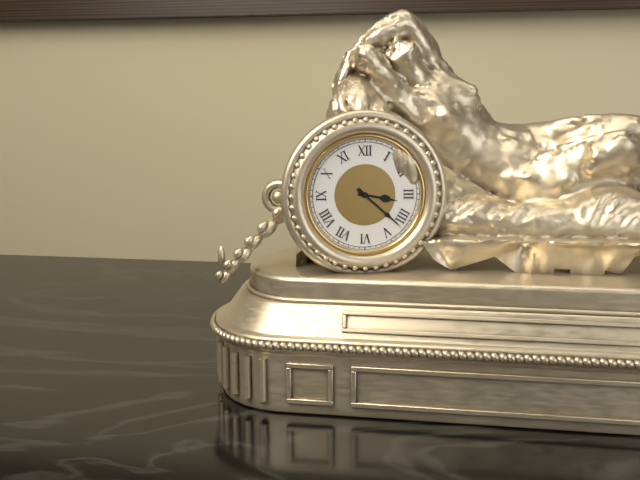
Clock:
3.22
